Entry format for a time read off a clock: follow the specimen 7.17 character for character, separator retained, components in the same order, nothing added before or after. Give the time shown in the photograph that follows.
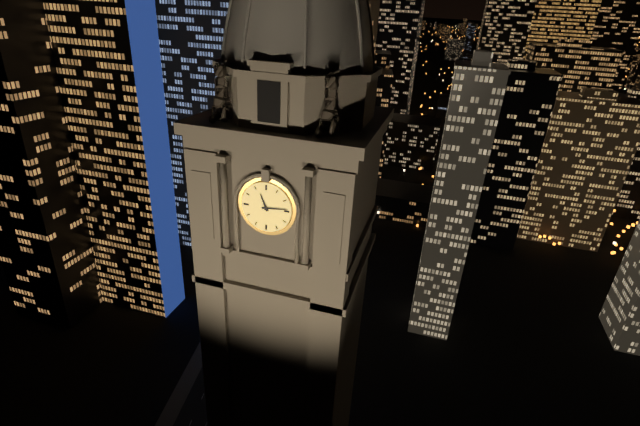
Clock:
11.14
